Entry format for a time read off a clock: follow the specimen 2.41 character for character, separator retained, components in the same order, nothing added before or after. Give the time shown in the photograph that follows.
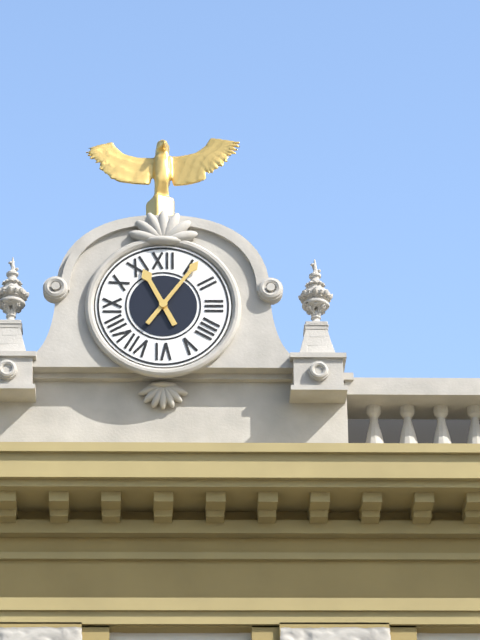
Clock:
11.06
